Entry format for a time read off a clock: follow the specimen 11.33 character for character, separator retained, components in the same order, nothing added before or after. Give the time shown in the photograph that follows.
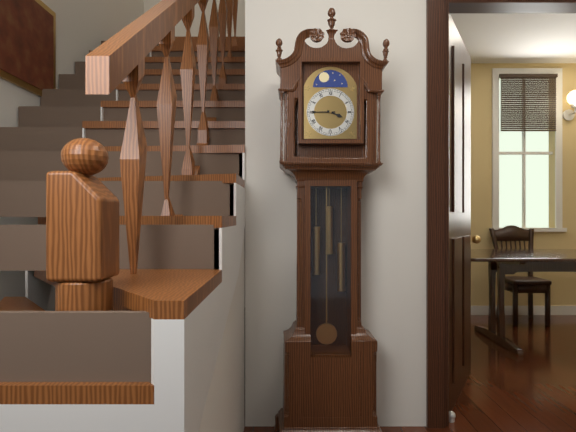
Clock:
3.45
